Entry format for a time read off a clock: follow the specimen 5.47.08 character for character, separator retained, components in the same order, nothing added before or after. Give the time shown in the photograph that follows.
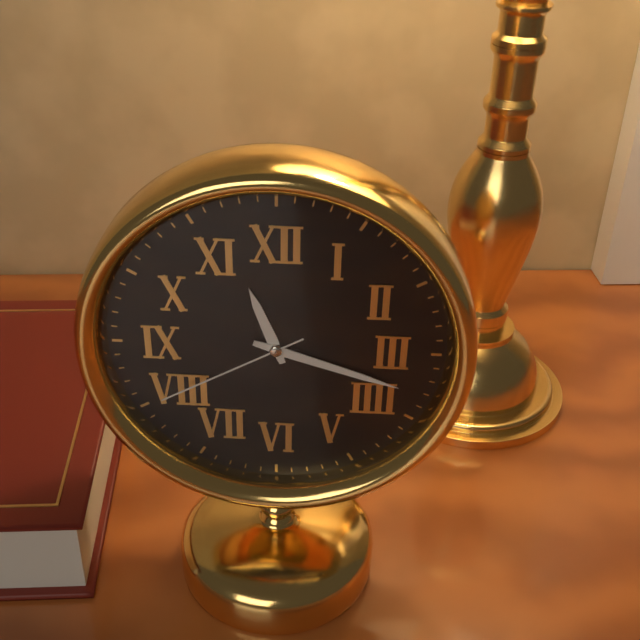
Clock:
11.18.40
